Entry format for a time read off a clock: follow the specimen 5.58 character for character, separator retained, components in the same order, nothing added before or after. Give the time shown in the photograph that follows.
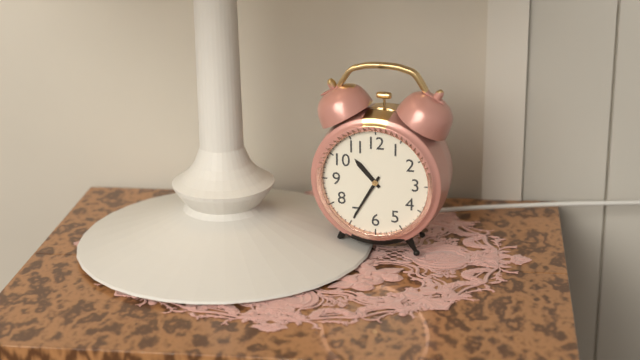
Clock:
10.35
